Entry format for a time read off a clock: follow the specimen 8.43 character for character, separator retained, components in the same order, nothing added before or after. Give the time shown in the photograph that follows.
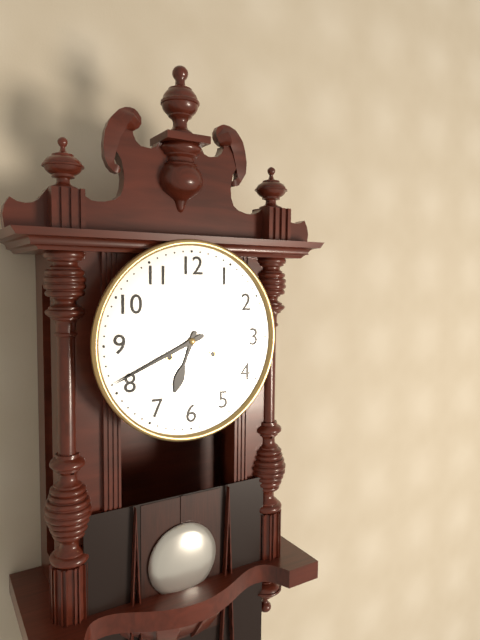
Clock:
6.41
